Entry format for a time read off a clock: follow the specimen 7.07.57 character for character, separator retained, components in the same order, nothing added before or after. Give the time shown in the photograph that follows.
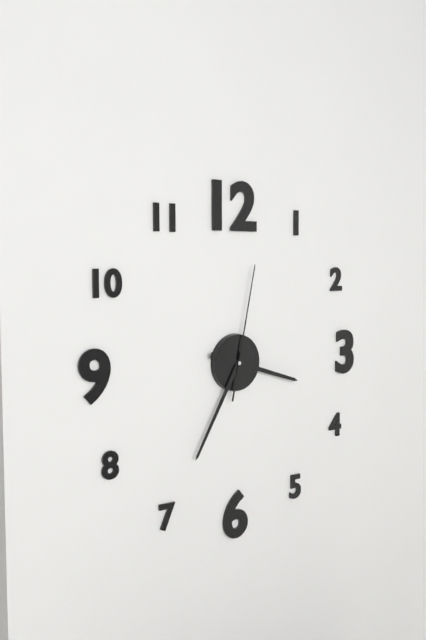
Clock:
3.35.02
